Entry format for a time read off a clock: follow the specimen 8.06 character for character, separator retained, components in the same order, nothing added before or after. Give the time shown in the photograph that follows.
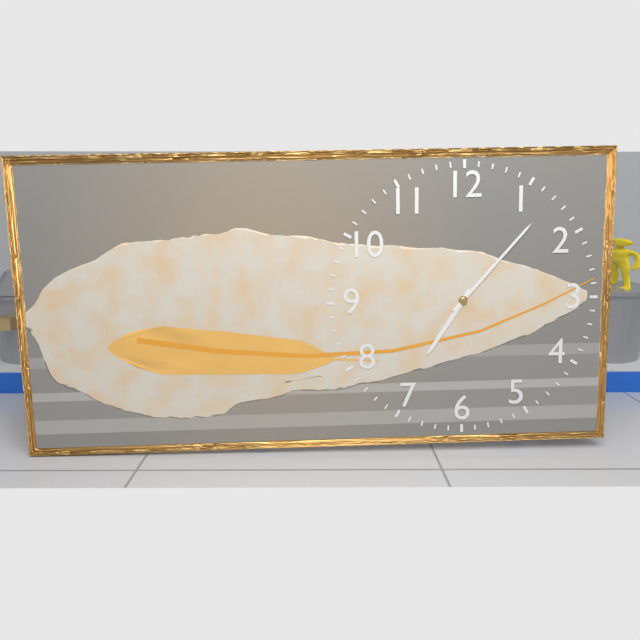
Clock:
7.07
